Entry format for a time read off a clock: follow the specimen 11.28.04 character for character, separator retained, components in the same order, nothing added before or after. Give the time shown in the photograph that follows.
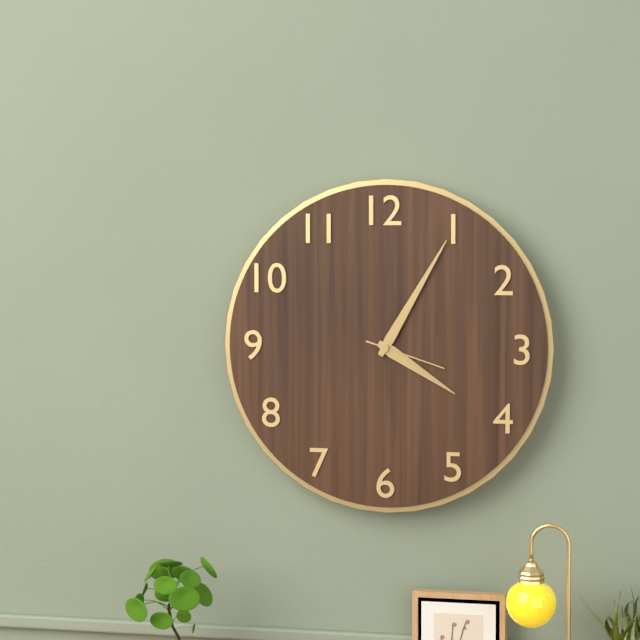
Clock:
4.05.18
